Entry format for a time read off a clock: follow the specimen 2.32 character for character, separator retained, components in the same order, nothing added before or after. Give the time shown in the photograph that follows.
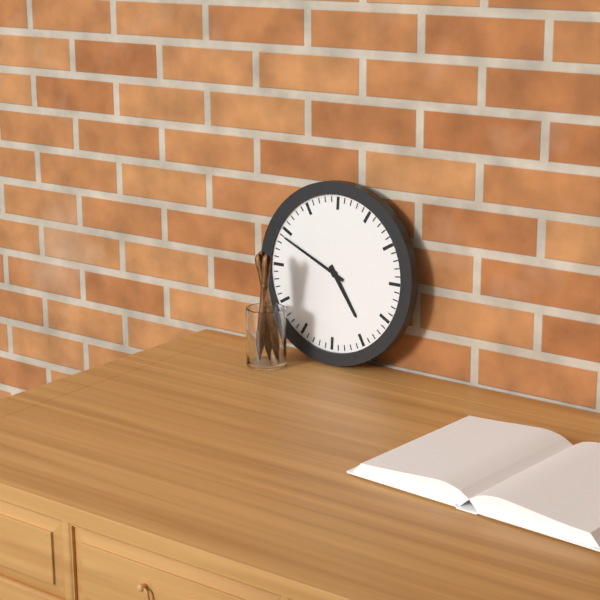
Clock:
4.49
